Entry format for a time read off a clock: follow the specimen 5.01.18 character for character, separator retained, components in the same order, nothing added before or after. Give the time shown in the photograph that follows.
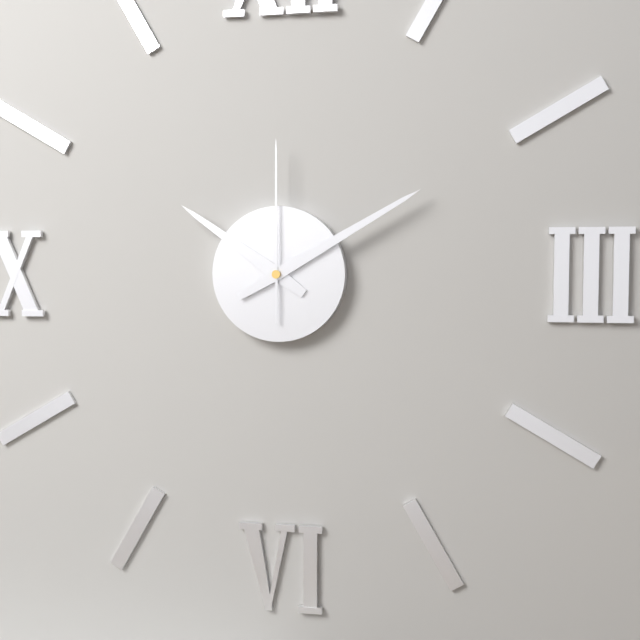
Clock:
10.10.00
